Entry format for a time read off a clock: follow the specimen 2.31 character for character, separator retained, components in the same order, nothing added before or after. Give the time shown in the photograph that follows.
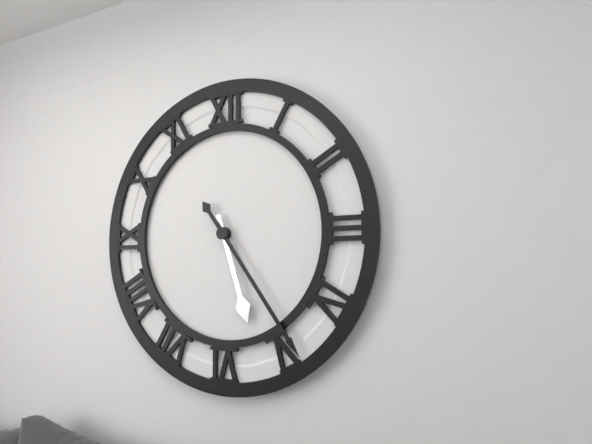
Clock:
5.24
